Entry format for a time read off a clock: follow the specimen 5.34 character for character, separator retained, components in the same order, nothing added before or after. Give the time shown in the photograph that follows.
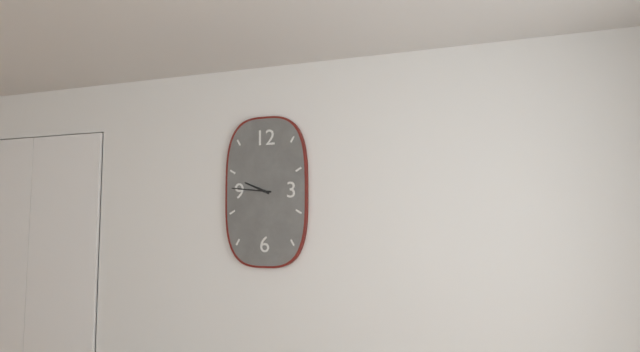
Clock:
9.46
